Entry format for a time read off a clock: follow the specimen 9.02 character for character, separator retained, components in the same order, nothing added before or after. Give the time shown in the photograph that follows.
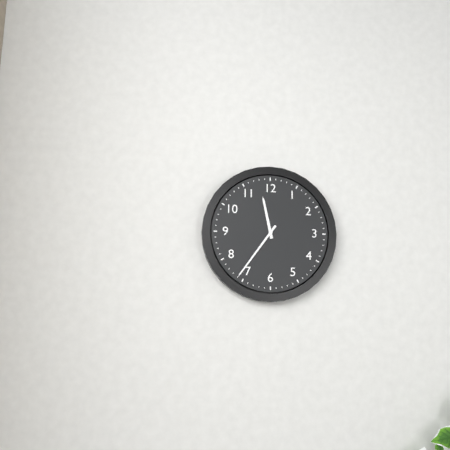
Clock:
11.36
